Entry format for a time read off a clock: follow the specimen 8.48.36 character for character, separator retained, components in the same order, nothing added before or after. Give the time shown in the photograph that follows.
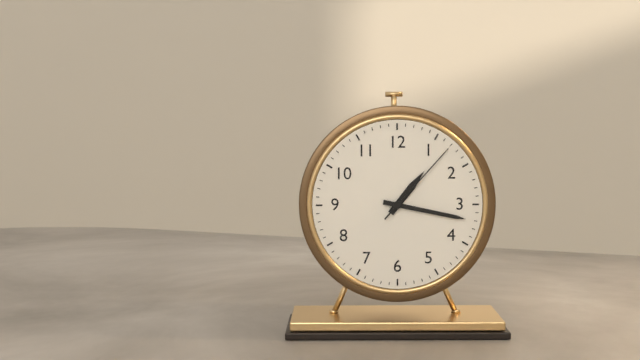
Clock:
1.17.07
